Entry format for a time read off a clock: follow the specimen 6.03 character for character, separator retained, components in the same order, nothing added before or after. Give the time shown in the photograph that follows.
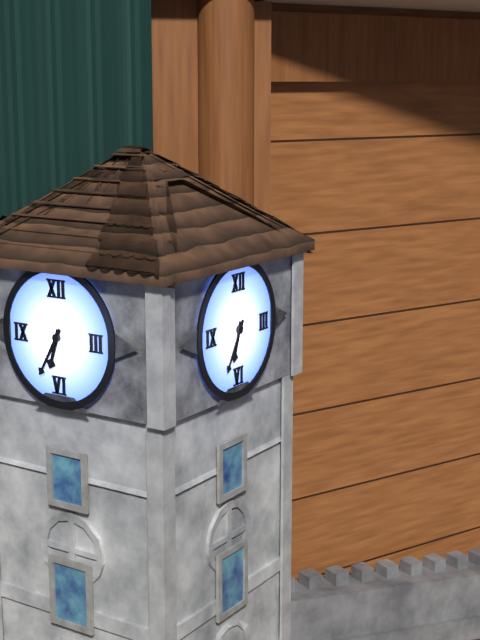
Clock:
6.35
